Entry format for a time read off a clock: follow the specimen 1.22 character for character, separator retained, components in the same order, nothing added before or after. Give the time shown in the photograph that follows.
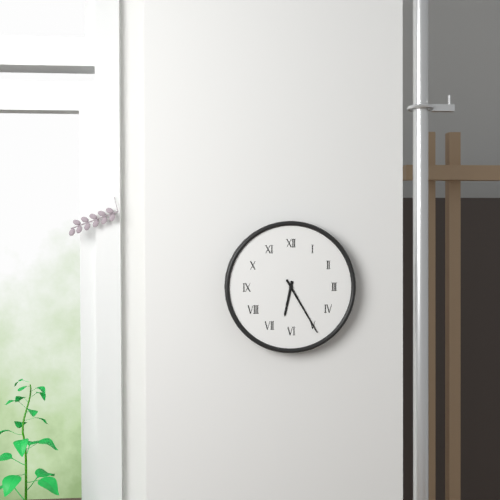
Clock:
6.25
